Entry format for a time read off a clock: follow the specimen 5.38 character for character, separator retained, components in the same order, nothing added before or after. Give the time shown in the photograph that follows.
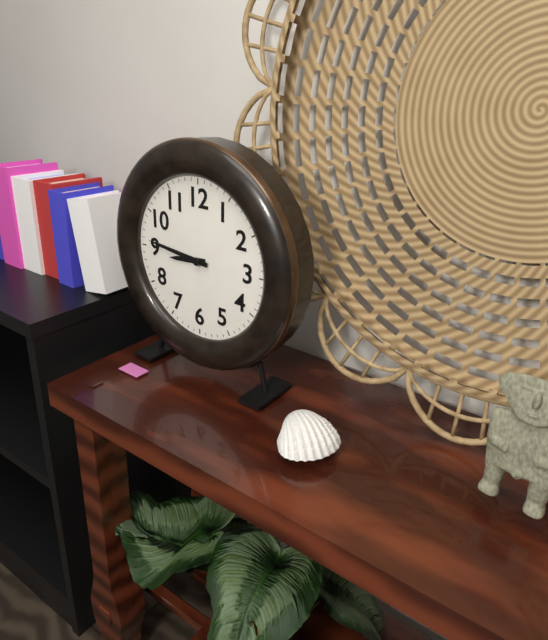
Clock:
8.46
